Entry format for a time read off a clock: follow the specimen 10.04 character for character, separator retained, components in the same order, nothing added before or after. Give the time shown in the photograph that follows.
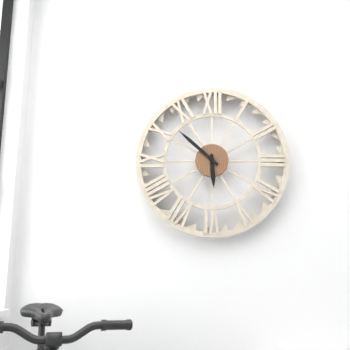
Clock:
5.52
